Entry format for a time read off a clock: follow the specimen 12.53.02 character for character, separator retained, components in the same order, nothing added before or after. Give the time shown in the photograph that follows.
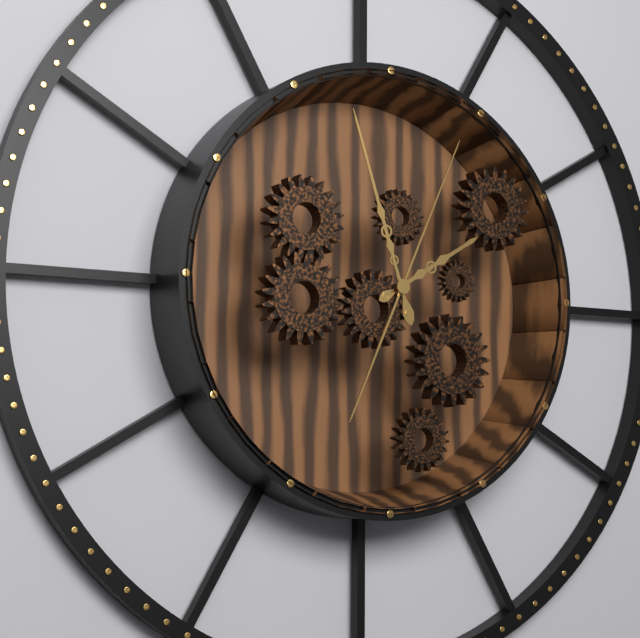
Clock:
1.57.04
